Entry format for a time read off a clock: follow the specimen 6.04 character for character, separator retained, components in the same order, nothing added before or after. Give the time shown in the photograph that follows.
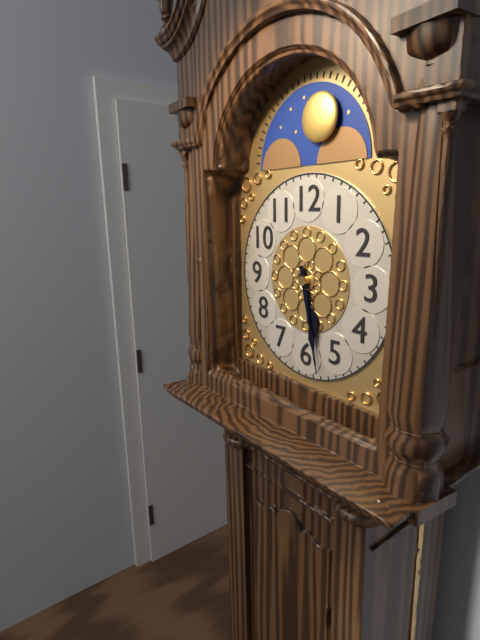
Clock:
5.28
